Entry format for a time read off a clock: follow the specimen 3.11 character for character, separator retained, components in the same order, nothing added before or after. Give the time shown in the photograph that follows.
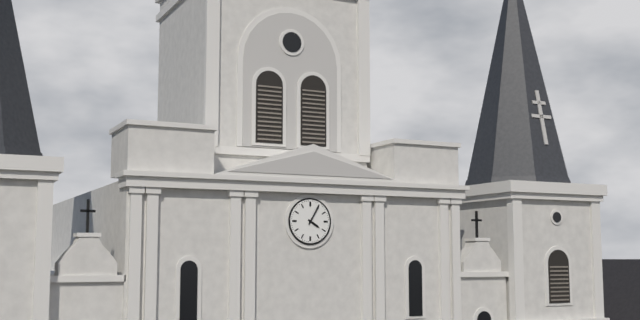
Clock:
4.05
